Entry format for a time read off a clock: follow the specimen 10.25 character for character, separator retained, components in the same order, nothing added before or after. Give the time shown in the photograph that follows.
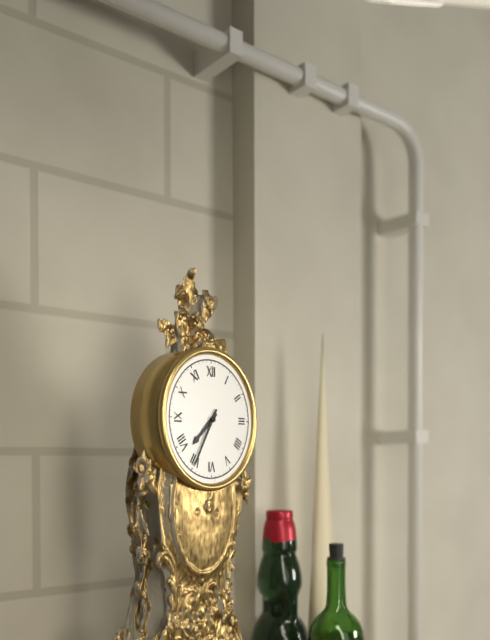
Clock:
7.35
